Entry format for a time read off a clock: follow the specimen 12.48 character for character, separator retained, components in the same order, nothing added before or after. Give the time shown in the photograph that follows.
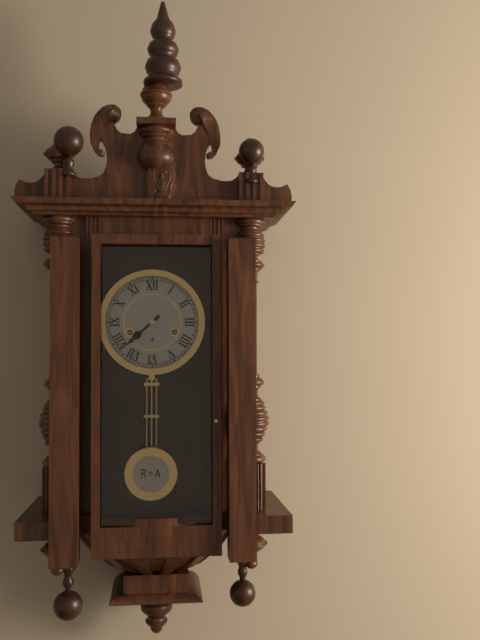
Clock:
7.38
